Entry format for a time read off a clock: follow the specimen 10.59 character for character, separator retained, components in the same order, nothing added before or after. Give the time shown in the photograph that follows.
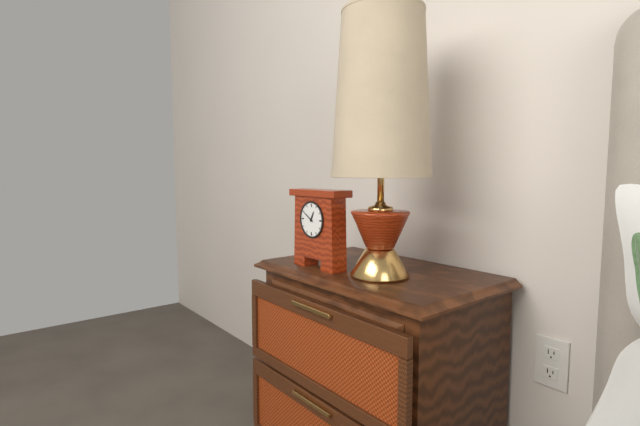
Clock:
12.50
